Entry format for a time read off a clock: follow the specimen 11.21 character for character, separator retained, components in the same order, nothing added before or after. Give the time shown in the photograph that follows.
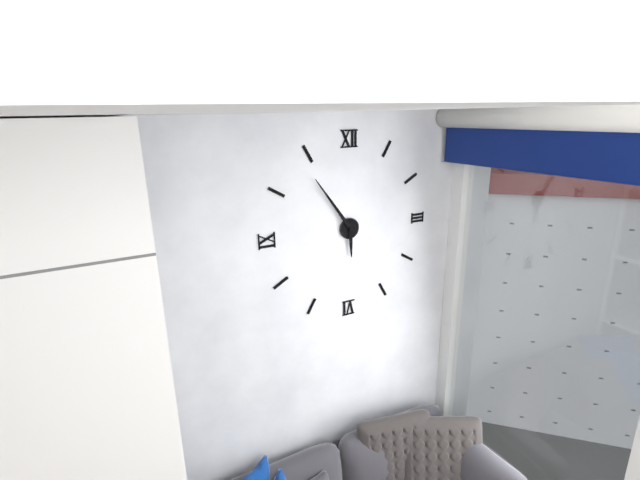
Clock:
5.54
